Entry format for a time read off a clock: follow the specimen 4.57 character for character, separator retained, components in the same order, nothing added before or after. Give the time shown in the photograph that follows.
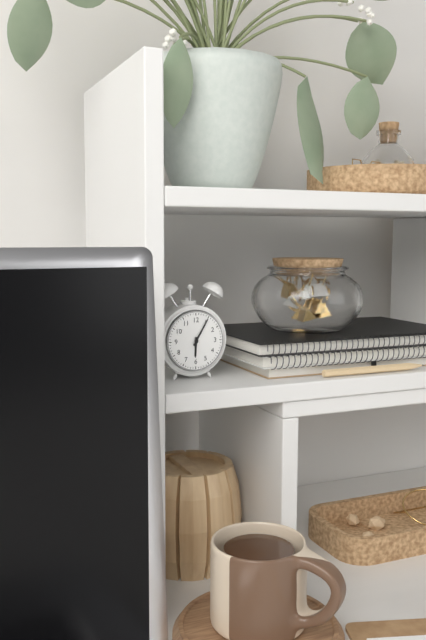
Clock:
6.05
